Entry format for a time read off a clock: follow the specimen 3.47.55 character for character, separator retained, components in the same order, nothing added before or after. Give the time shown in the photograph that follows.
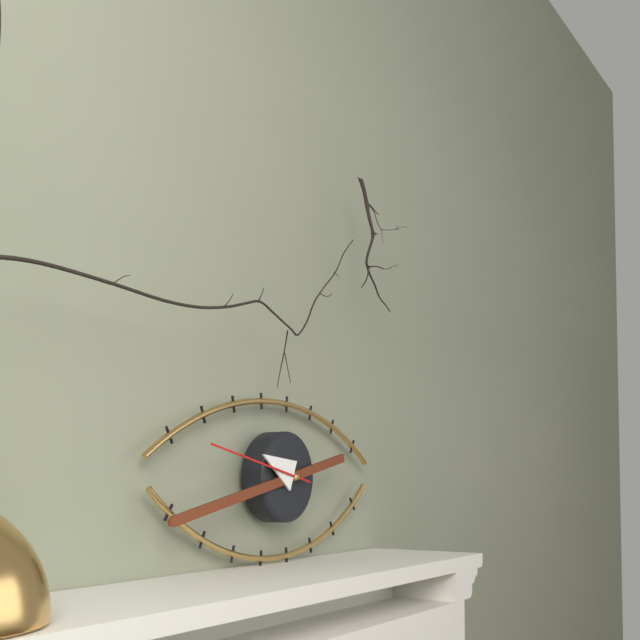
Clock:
9.43.47
